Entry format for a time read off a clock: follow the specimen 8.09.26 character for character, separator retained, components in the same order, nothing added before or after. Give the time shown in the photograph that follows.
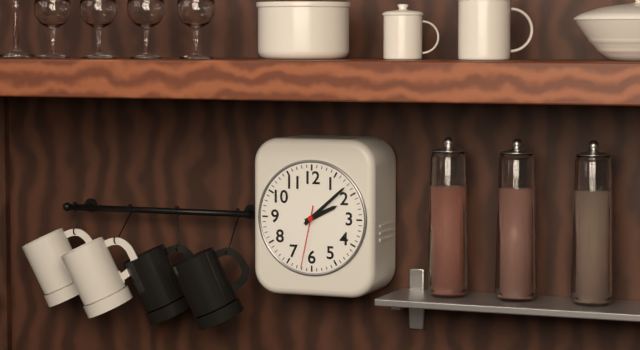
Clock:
2.08.32
